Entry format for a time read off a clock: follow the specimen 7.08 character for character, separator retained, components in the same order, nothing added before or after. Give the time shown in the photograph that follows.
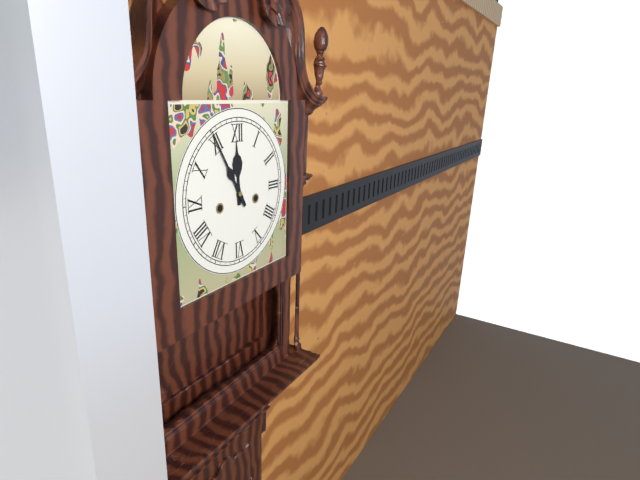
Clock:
11.55
